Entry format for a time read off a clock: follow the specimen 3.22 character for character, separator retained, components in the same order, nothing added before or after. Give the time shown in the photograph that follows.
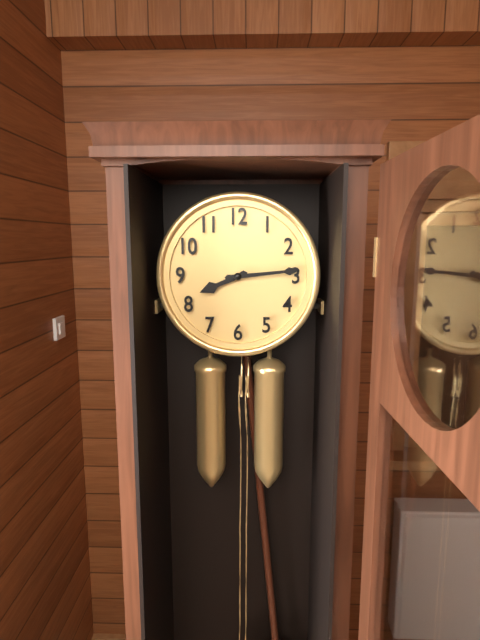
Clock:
8.14
